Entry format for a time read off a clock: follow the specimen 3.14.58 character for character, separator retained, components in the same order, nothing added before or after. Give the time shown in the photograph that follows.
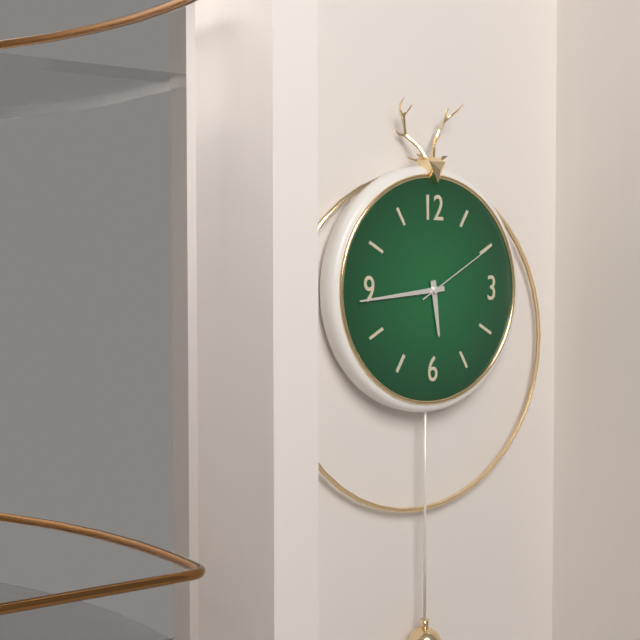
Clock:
5.44.10
